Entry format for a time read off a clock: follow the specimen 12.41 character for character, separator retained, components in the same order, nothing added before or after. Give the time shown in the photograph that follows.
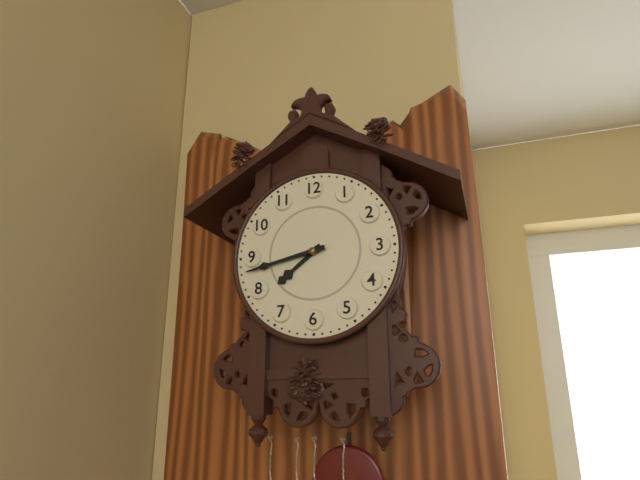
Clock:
7.43
